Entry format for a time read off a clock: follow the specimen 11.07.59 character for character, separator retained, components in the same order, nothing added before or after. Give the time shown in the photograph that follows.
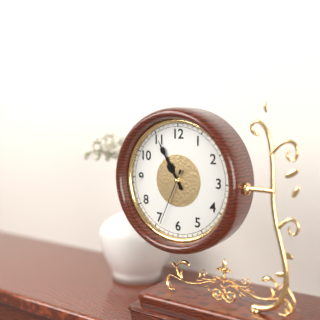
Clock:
10.55.34
